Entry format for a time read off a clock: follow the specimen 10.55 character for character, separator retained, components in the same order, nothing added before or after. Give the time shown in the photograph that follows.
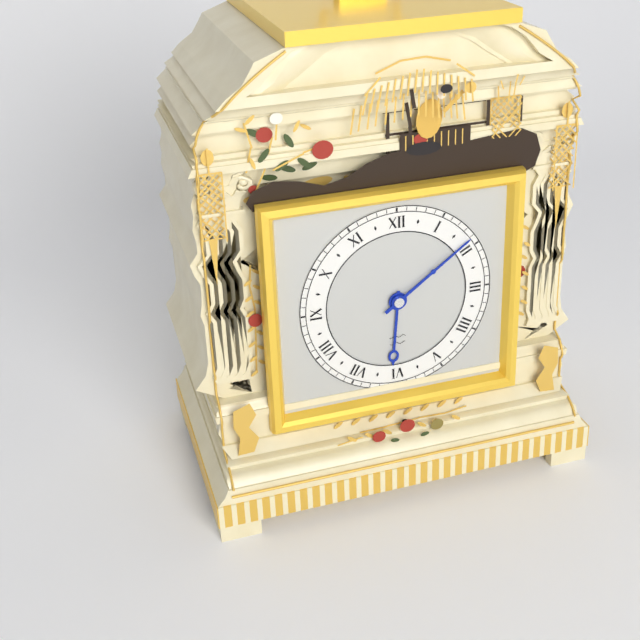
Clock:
6.09
